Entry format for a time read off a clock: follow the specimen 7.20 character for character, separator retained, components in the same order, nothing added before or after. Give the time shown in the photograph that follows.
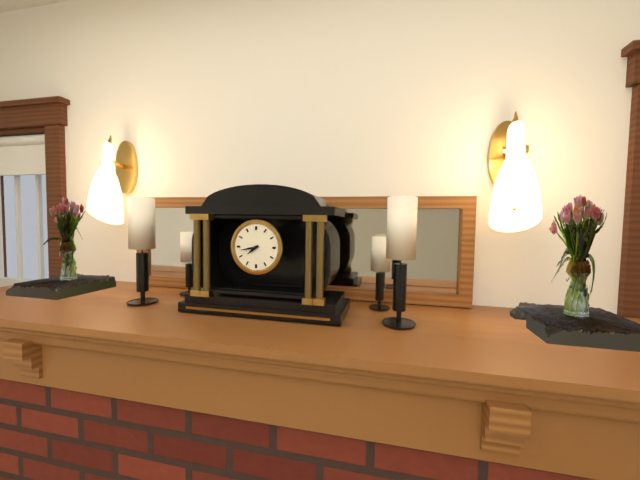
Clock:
7.43
